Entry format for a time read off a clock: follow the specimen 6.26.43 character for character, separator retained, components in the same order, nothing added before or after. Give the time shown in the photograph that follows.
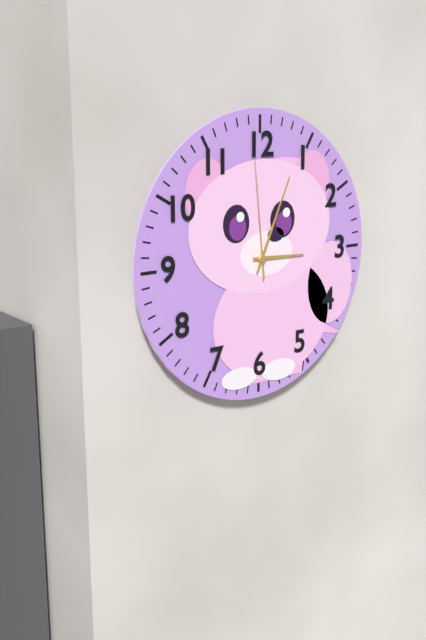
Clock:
3.04.59
